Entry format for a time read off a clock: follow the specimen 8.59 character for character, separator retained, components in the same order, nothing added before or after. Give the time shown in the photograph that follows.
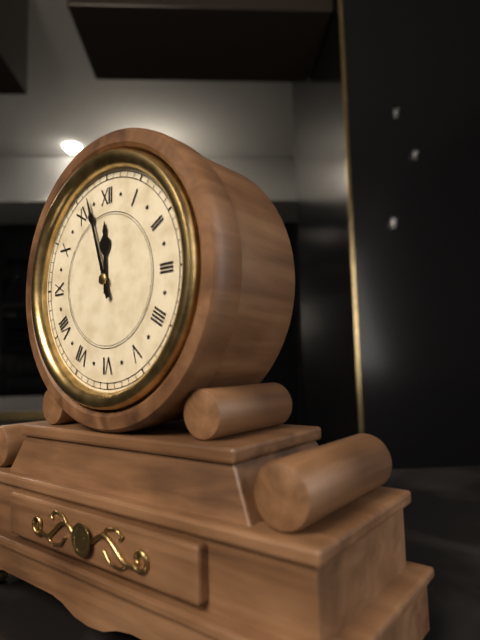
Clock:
11.57
